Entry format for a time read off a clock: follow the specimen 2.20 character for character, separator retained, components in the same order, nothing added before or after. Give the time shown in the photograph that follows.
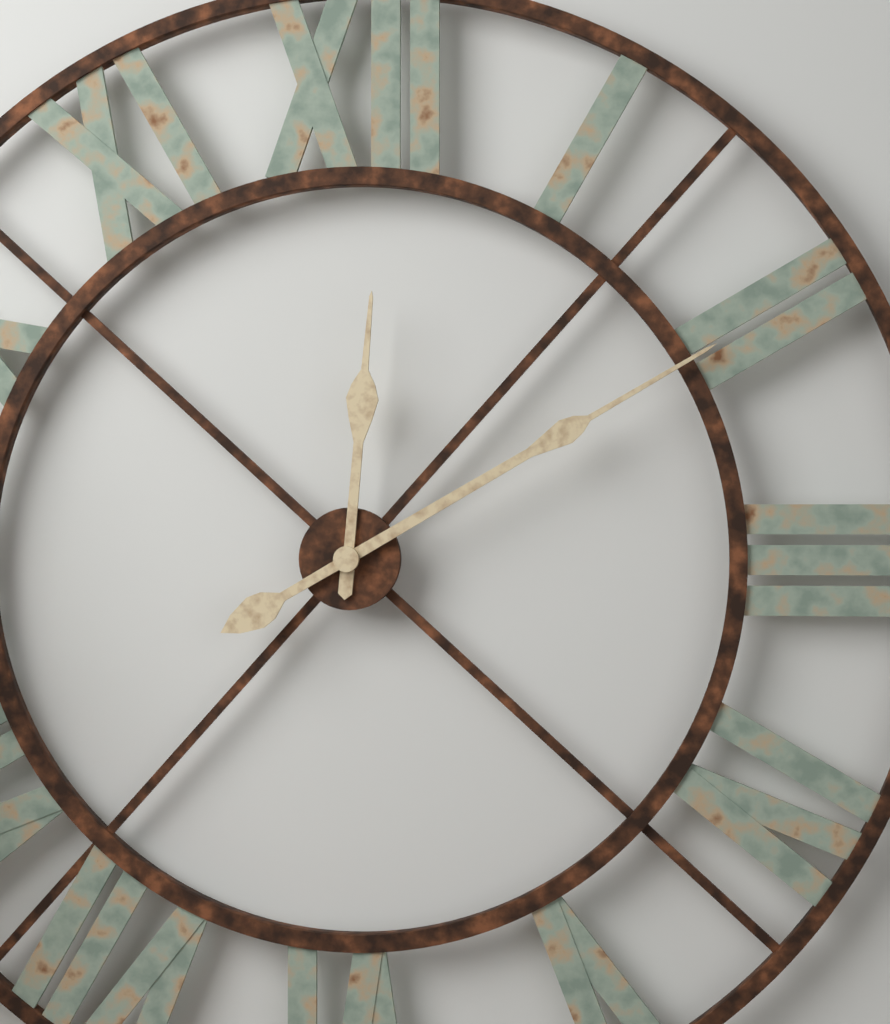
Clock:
12.10
